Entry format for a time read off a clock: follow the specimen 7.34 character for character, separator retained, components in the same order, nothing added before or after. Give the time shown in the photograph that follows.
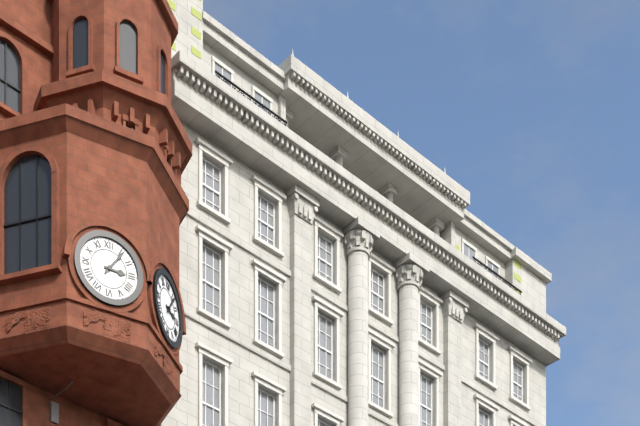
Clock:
3.06
